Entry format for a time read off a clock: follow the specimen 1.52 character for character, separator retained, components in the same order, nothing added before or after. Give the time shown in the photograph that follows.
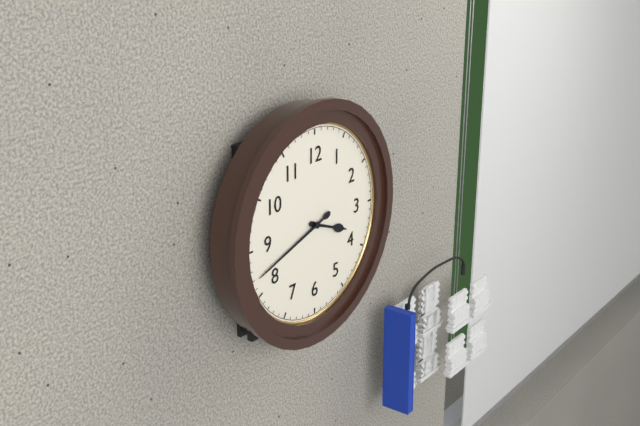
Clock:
3.42
